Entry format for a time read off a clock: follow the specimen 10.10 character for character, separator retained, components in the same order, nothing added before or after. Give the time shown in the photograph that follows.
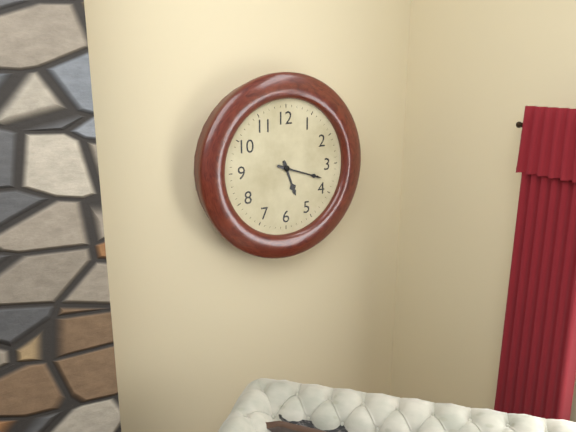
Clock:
5.18
